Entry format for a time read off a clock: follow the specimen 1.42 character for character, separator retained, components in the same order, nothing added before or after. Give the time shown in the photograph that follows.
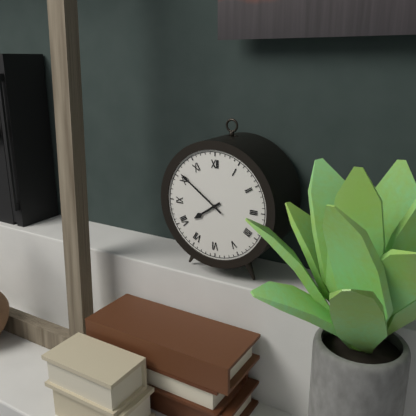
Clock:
7.51
